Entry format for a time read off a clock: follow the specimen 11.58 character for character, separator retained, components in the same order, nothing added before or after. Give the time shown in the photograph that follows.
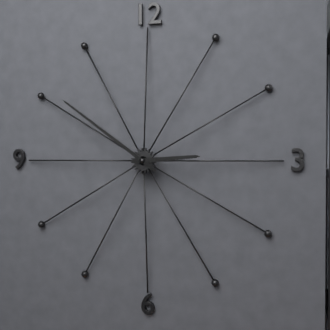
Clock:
2.51
